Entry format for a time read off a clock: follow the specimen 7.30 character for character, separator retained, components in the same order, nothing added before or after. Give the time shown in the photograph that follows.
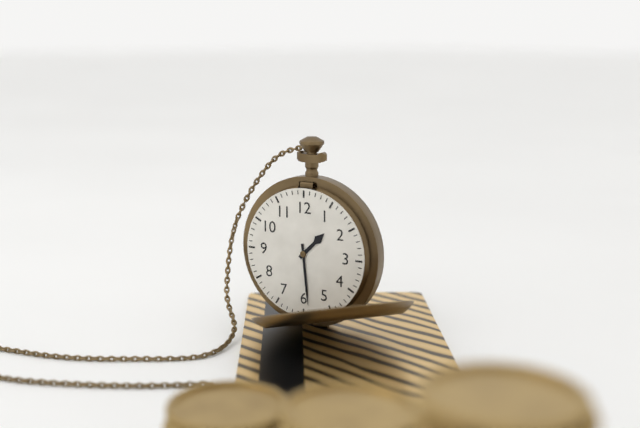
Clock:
1.29
